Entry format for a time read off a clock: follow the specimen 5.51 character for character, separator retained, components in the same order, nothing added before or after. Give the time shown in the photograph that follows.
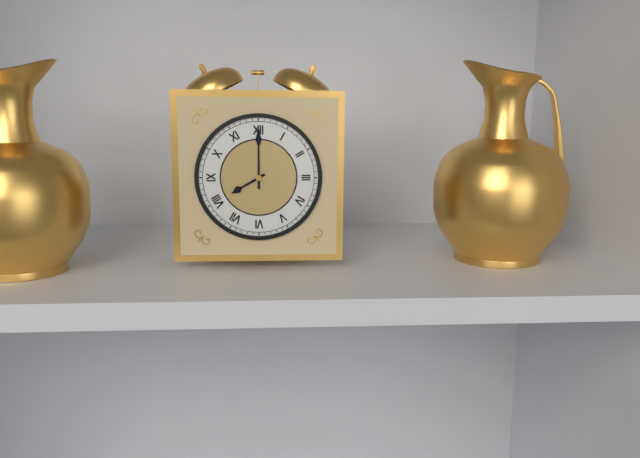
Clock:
8.00
